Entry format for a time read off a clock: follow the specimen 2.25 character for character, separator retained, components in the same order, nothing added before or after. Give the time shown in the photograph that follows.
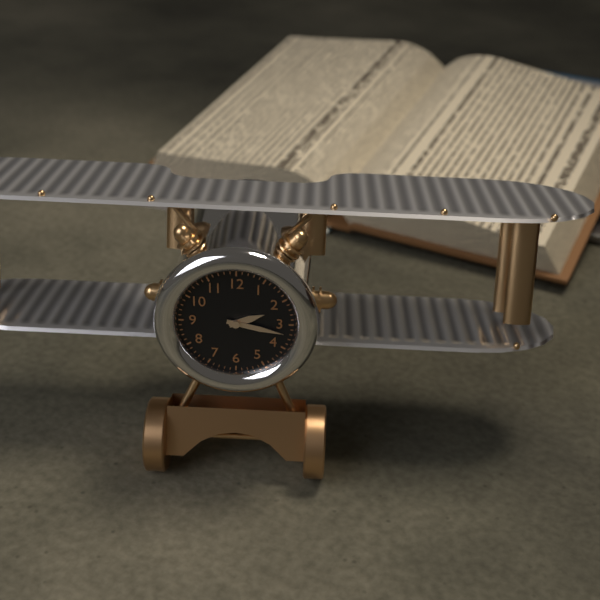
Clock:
2.17
